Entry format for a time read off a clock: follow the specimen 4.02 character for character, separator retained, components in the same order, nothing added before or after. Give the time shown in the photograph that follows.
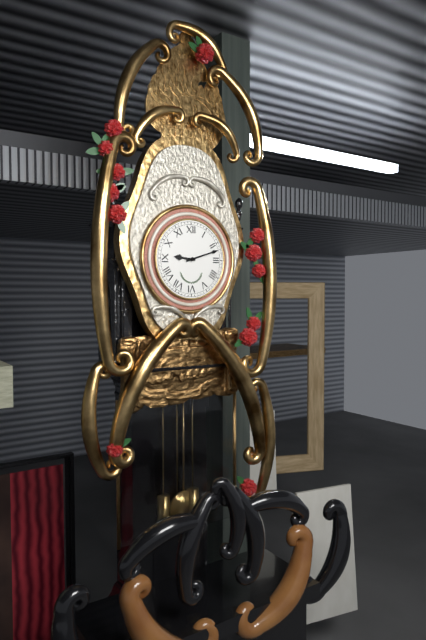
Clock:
9.12
